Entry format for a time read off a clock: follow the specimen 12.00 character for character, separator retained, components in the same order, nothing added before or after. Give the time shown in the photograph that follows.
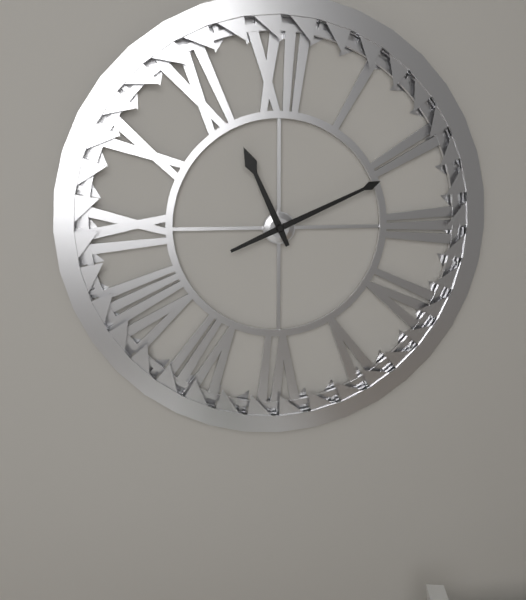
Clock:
11.11
